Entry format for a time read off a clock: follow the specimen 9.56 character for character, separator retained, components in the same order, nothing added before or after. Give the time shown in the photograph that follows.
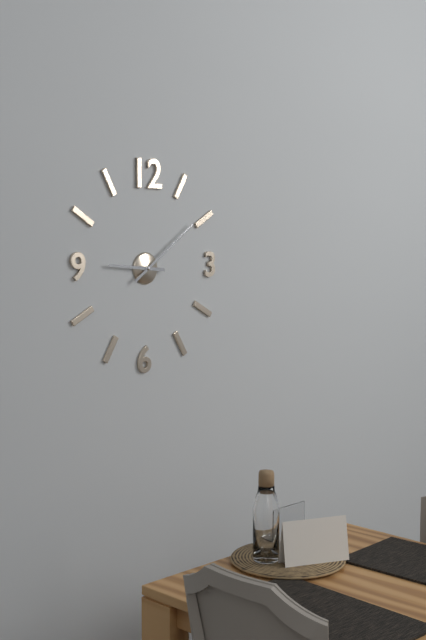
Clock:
9.09
